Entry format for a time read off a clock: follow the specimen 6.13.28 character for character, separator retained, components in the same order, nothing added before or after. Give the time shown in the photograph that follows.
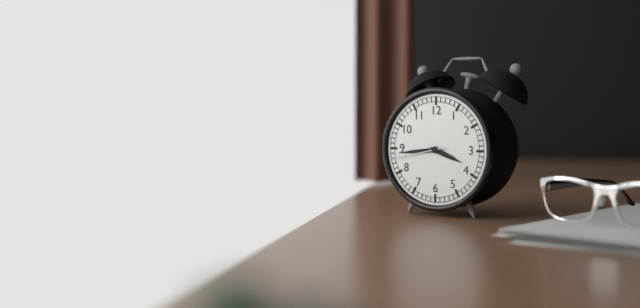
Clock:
3.44.43
